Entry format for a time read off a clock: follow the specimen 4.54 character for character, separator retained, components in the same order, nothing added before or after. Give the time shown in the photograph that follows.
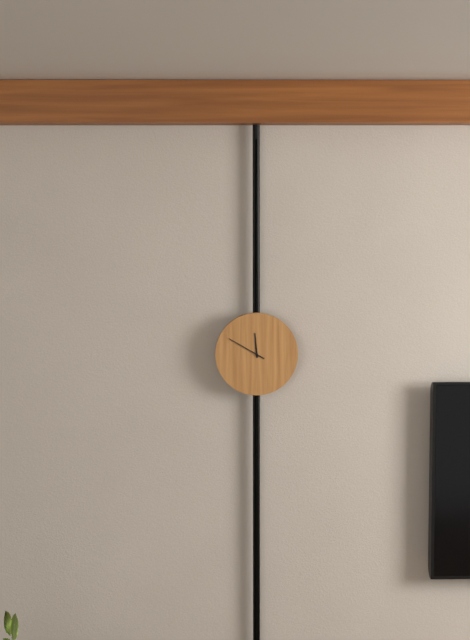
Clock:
11.50
